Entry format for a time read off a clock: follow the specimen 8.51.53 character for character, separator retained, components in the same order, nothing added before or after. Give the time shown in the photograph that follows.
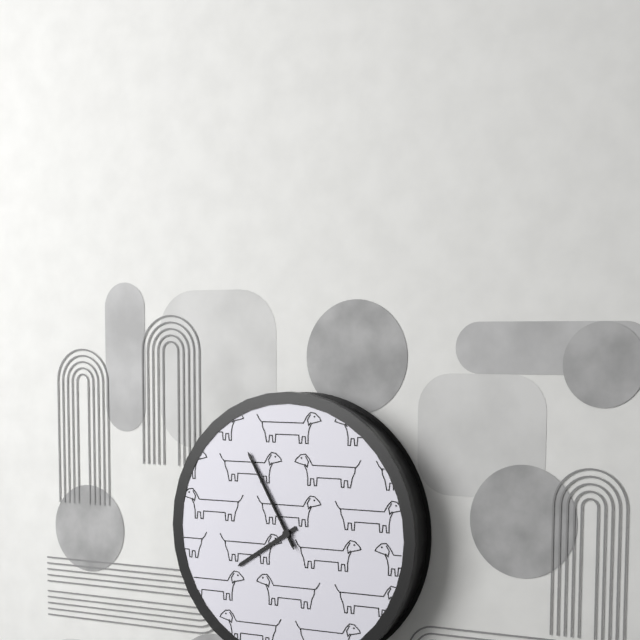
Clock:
7.55.55
